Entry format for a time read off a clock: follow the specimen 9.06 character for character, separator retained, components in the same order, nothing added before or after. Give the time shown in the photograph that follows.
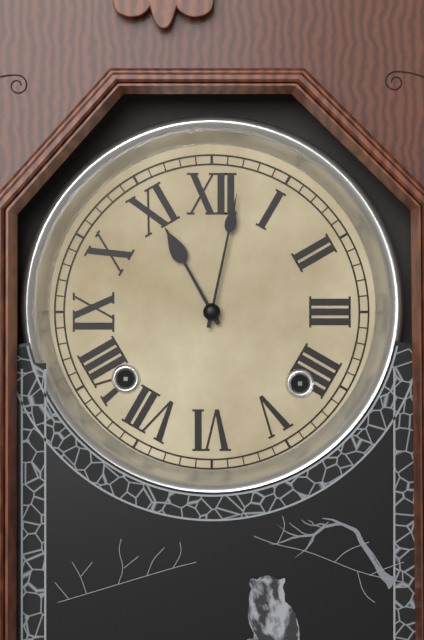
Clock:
11.02
